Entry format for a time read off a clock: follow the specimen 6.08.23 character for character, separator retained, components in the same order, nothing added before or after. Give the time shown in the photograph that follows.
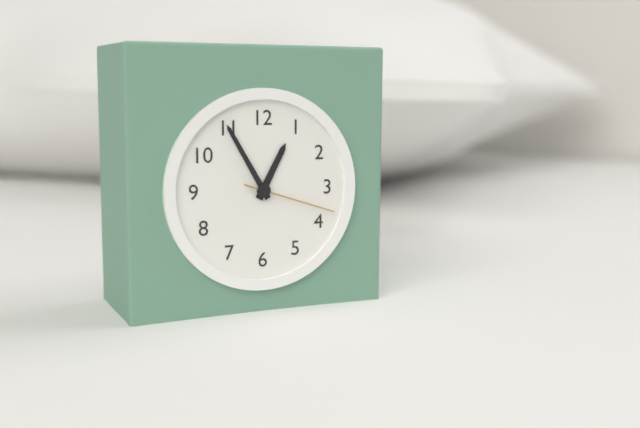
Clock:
12.55.18
